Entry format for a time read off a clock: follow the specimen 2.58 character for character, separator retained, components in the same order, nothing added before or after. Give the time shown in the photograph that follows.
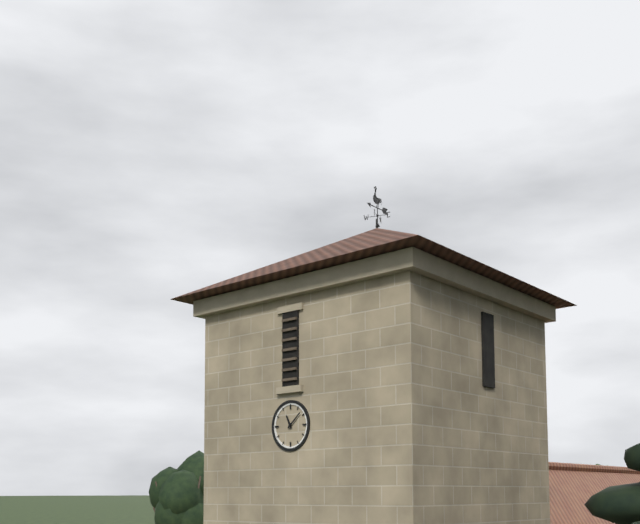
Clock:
11.08
